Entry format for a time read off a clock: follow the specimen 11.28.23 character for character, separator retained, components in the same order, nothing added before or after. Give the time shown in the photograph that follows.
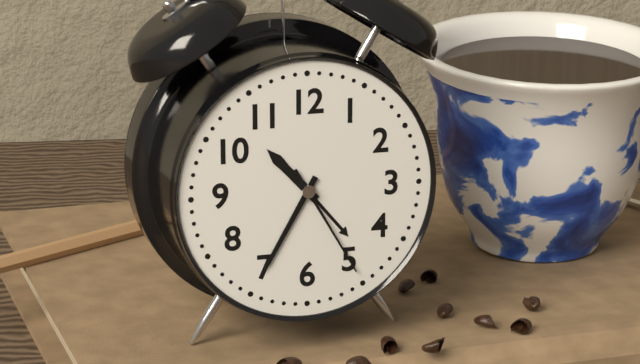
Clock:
10.35.25
